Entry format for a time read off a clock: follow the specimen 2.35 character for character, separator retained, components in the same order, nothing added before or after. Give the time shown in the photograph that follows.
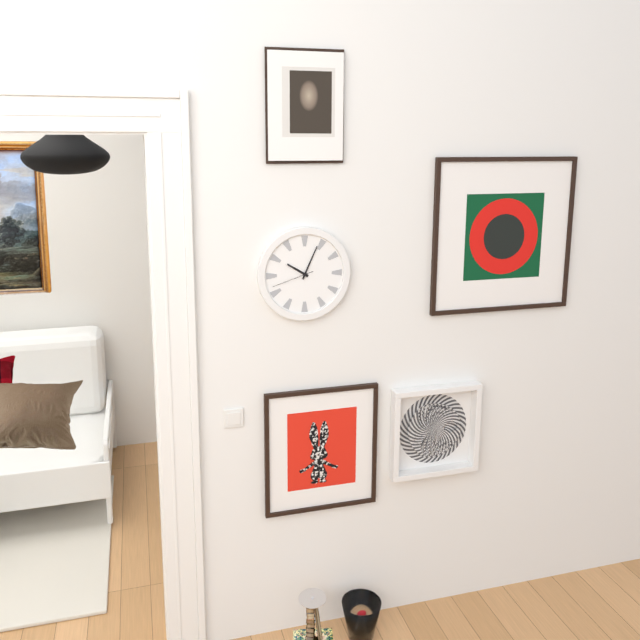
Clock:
10.04
